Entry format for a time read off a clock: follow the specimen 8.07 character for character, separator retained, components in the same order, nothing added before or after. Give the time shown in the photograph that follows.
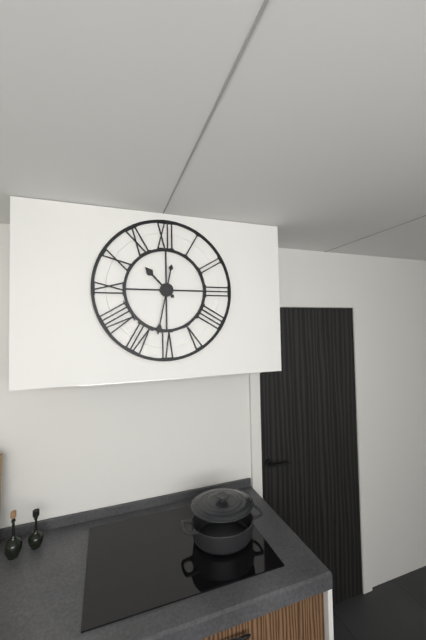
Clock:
10.32
